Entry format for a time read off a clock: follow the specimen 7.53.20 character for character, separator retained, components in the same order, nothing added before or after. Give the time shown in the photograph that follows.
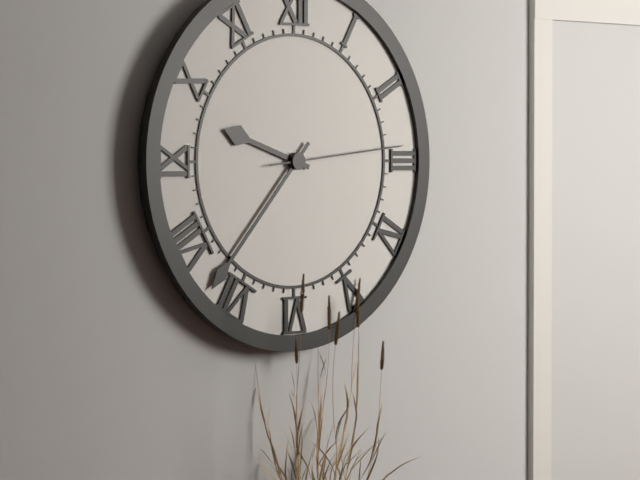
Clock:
9.37.14
